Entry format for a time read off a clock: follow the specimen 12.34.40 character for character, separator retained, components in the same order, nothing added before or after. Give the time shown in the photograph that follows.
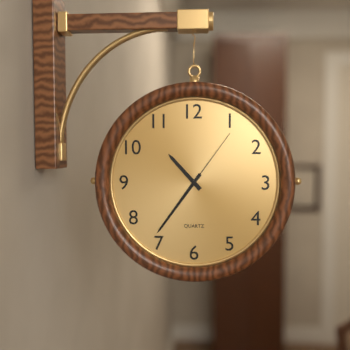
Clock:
10.36.06
